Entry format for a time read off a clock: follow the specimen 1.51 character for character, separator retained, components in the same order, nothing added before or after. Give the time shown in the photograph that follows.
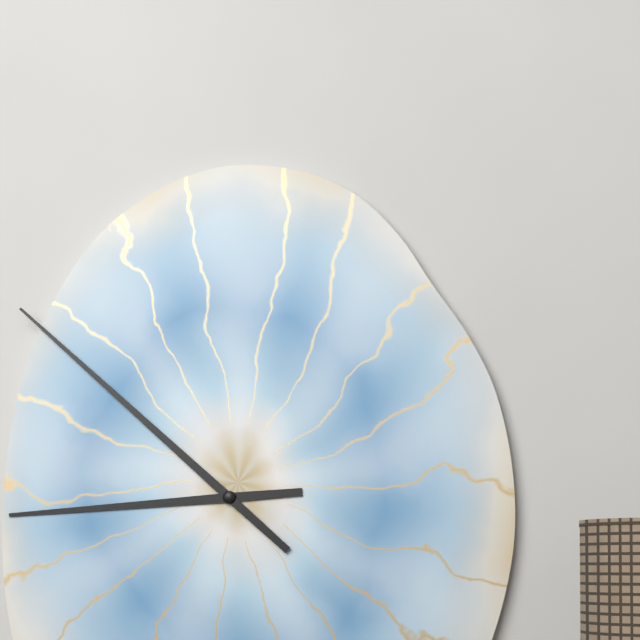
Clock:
8.52
